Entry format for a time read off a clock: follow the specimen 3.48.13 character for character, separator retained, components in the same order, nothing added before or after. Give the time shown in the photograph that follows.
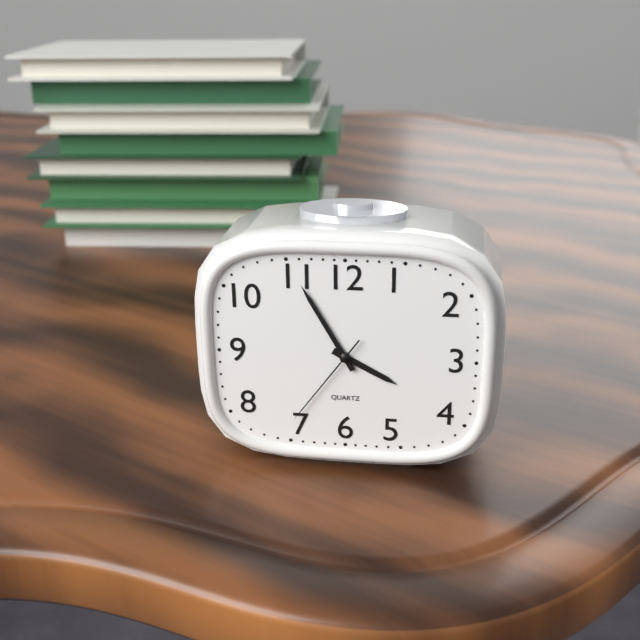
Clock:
3.55.36
